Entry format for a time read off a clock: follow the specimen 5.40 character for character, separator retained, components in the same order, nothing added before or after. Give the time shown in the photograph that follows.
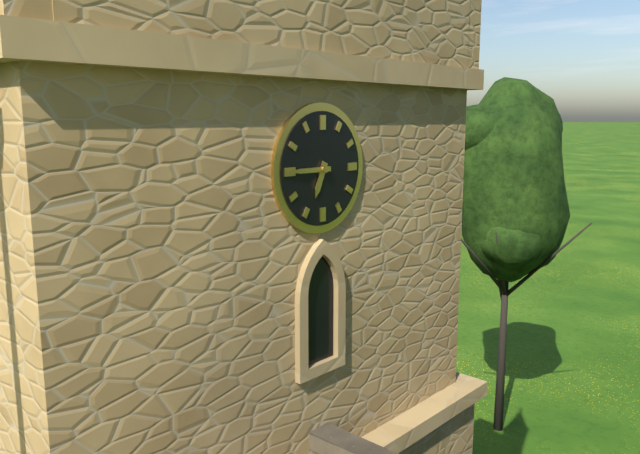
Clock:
6.45
